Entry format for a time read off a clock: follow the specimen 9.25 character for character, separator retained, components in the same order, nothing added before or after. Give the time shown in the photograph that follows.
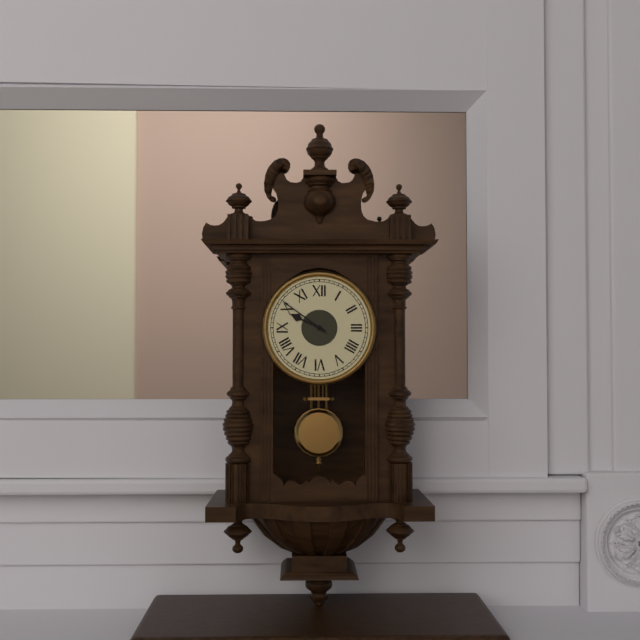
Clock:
9.51
